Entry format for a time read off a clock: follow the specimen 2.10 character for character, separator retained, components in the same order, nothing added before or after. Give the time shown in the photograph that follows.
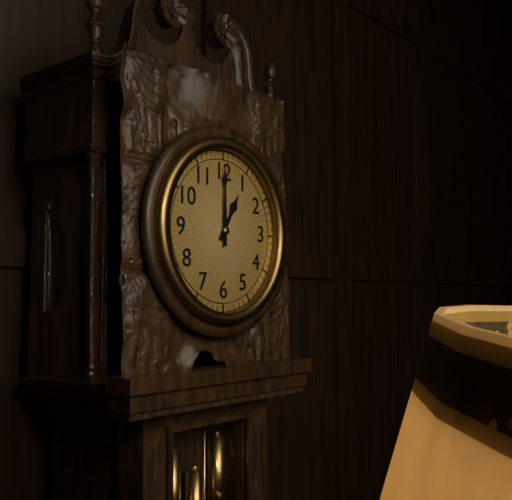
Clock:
1.00
